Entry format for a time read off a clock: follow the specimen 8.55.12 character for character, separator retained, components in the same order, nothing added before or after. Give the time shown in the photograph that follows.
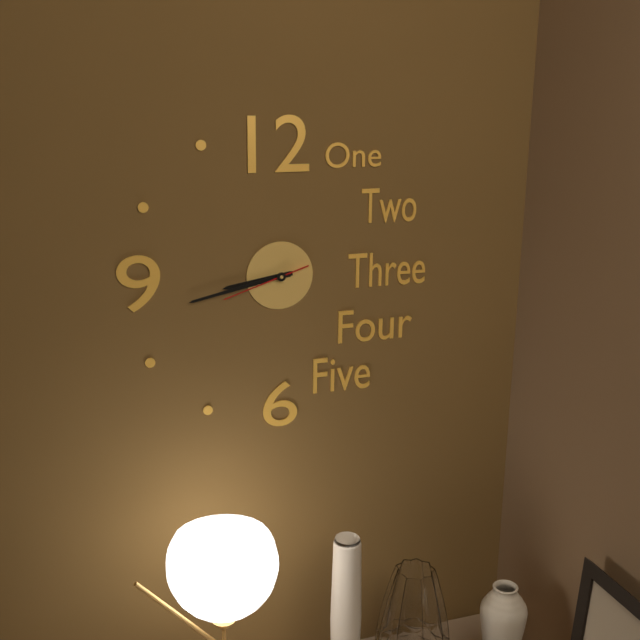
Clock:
8.43.42
